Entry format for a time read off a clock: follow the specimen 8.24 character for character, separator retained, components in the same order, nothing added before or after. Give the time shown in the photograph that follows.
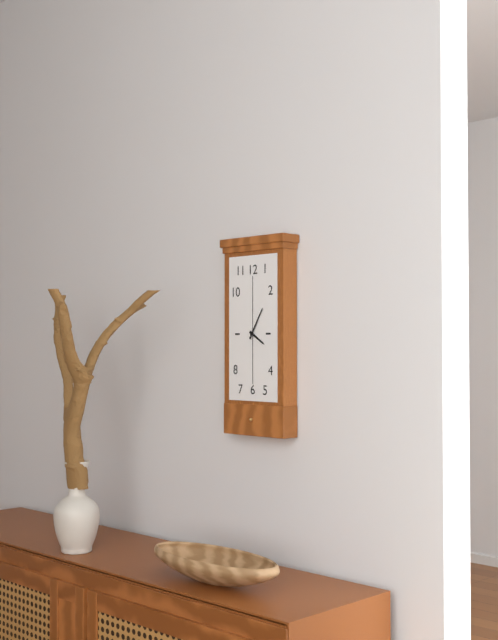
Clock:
4.05
